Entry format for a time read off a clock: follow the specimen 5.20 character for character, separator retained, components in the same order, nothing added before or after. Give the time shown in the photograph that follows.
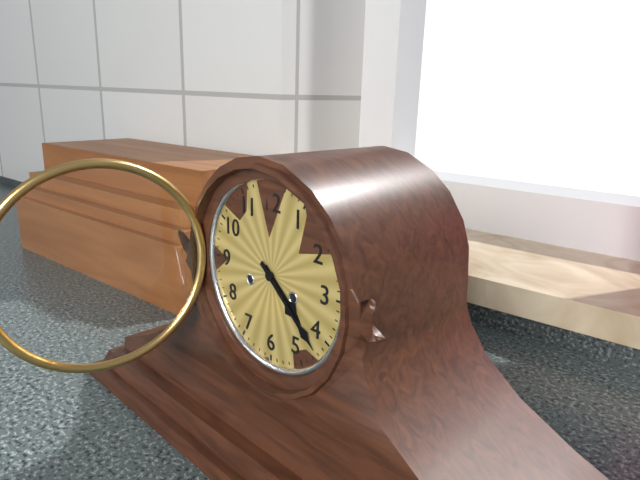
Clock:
4.22
